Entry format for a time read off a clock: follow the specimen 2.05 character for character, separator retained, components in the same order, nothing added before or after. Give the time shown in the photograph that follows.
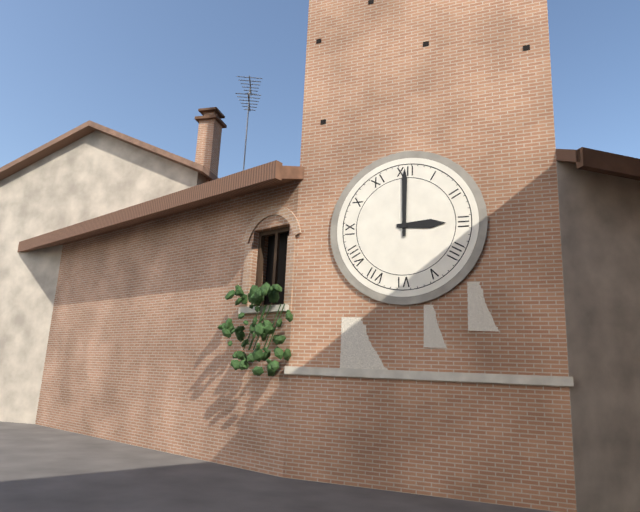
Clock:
3.00
